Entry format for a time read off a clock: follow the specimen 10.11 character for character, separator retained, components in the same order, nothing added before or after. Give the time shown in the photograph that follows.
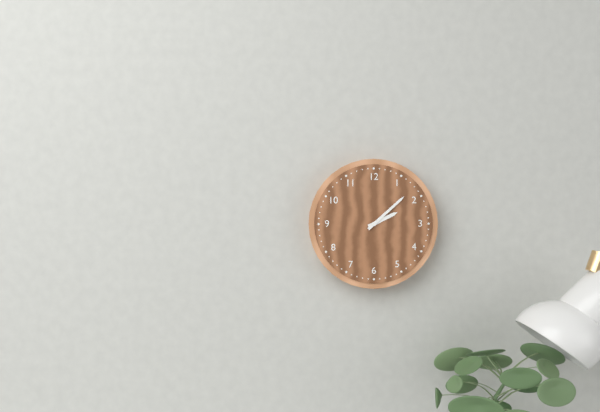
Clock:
2.08
